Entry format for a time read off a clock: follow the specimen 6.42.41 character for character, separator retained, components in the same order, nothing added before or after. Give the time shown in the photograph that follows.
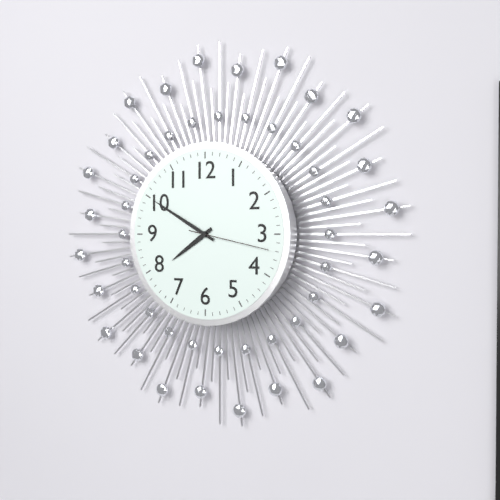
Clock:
7.50.17
